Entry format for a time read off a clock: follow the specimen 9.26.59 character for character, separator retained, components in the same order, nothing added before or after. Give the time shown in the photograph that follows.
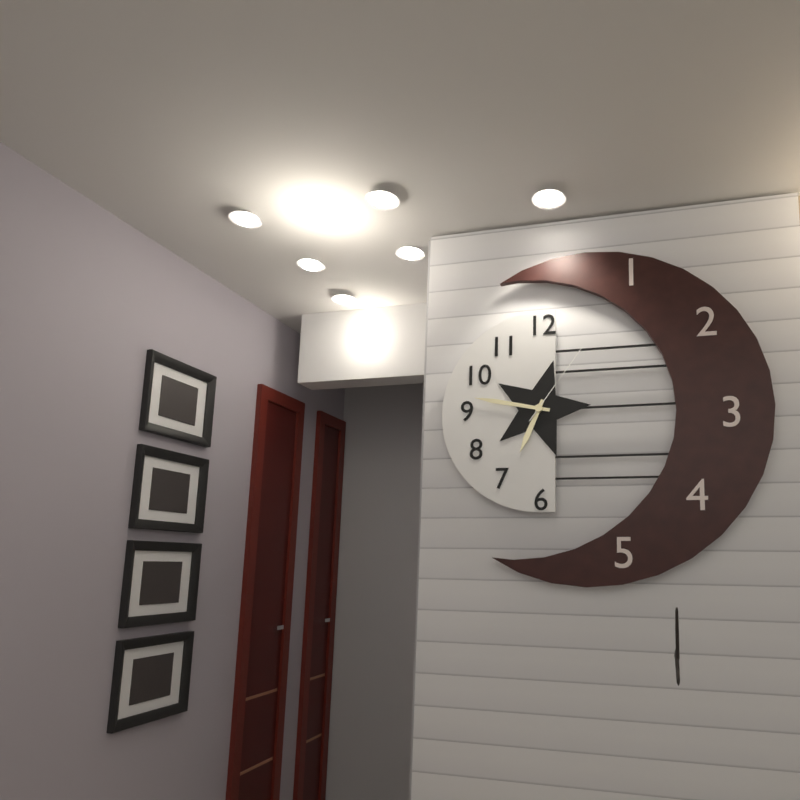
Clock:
6.47.06
